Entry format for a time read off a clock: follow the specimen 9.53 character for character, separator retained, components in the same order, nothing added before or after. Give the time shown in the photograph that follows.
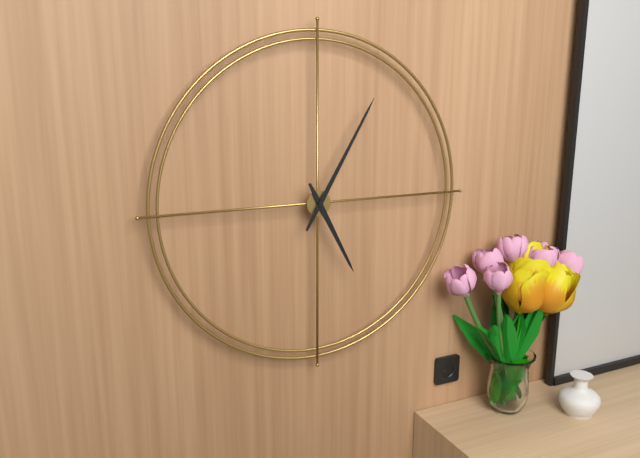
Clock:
5.05
